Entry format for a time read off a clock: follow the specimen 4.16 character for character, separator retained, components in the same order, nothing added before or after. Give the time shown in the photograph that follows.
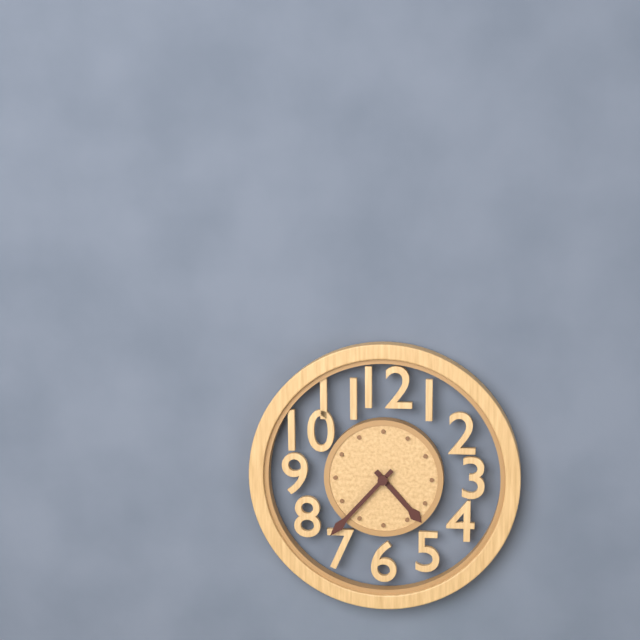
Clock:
4.37
